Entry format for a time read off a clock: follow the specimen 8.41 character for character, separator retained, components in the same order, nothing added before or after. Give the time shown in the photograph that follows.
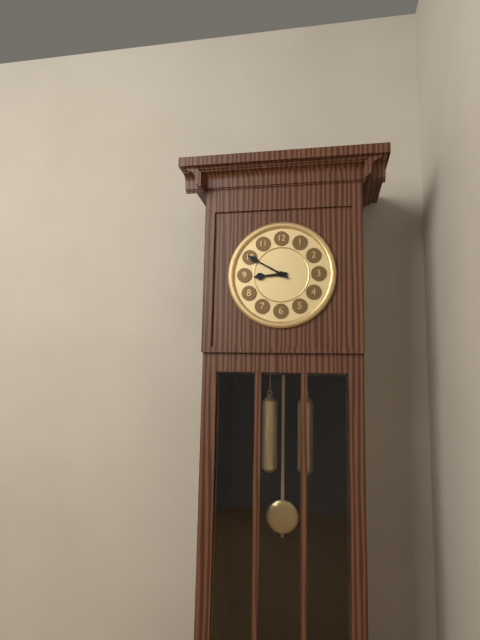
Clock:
8.50
